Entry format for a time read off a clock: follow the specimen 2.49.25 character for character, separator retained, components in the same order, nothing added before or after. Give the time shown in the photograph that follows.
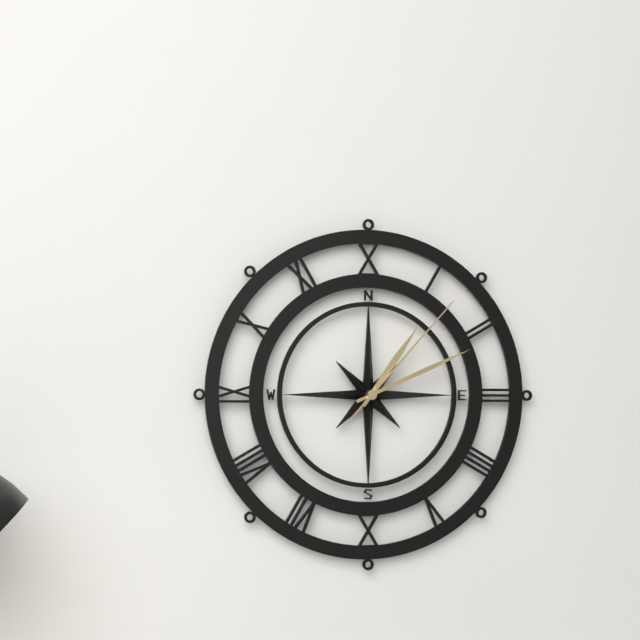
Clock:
1.11.07
